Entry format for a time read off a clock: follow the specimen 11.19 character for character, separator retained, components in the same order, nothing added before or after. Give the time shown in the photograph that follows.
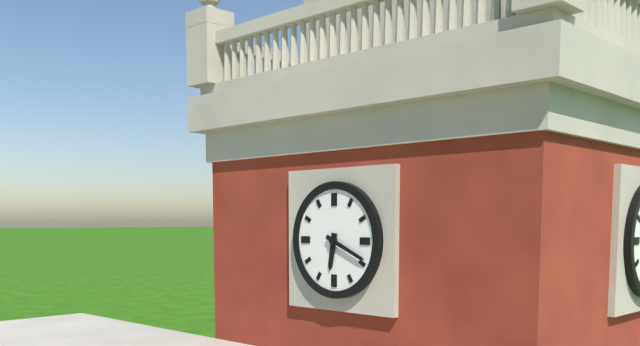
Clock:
6.19
